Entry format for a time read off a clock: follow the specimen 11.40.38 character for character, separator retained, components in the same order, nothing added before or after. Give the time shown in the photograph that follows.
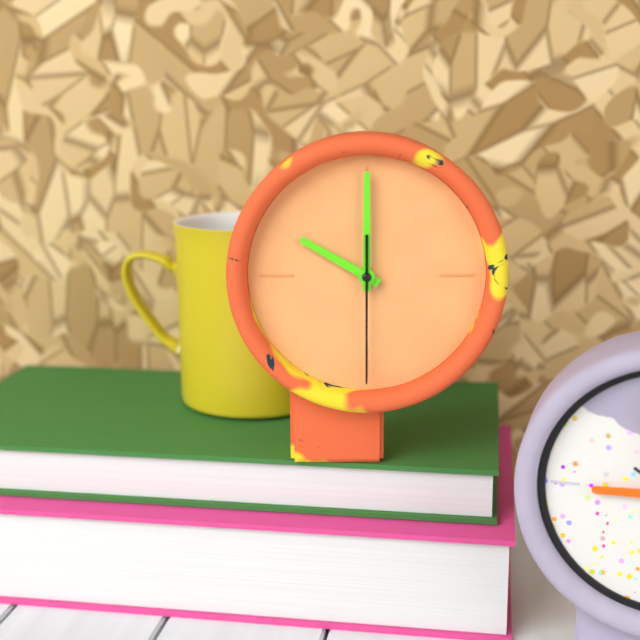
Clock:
10.00.30
